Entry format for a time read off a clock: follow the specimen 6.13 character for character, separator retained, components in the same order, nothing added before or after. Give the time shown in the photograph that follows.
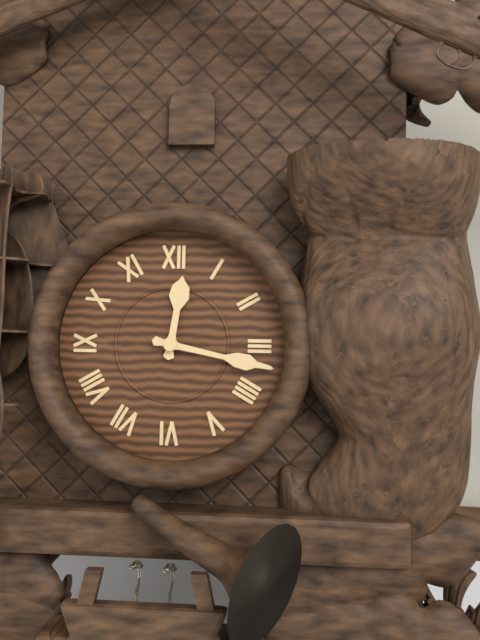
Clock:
12.17
